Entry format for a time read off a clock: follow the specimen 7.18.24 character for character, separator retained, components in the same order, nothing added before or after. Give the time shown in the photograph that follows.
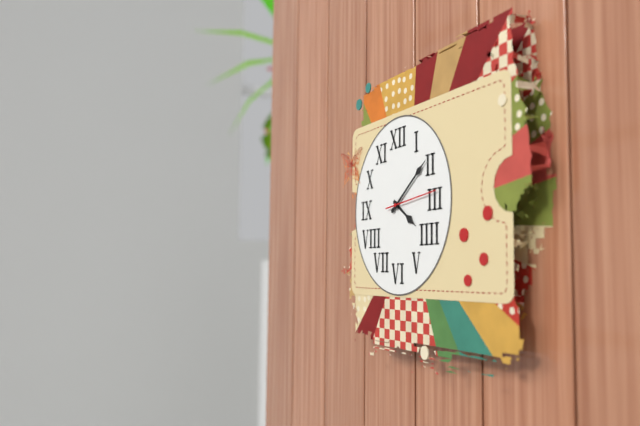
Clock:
4.09.14
